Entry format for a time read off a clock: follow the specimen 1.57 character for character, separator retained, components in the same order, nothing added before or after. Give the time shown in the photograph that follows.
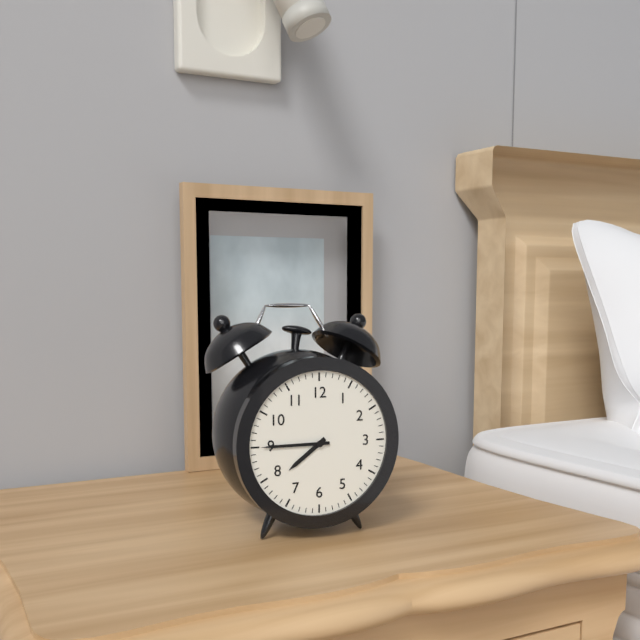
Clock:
7.45
